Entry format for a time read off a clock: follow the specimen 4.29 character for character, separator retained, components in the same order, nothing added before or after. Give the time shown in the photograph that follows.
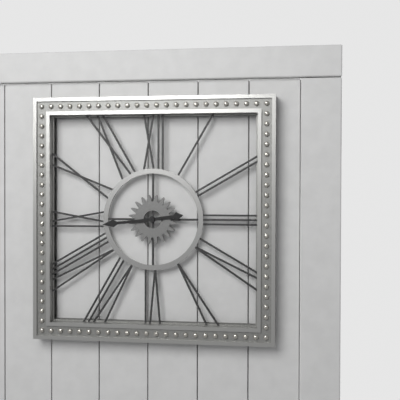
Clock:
2.44
